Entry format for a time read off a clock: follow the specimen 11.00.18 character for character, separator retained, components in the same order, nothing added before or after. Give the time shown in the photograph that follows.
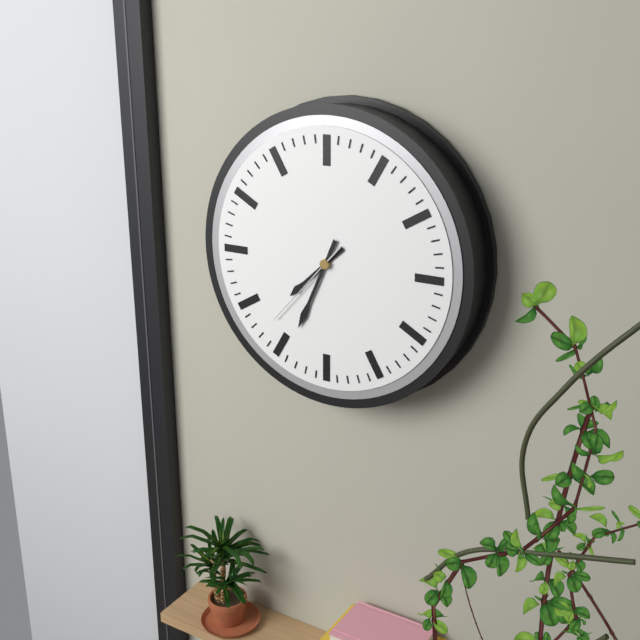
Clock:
7.34.37
